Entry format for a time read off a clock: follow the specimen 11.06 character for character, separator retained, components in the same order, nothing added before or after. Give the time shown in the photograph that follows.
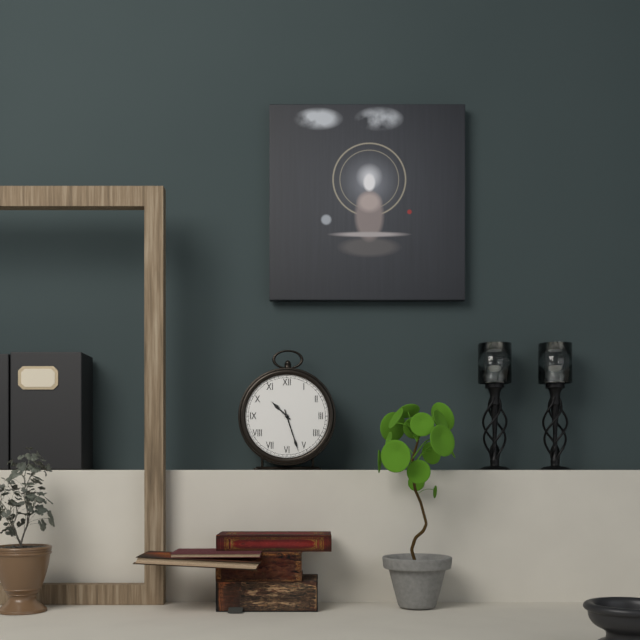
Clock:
10.27
